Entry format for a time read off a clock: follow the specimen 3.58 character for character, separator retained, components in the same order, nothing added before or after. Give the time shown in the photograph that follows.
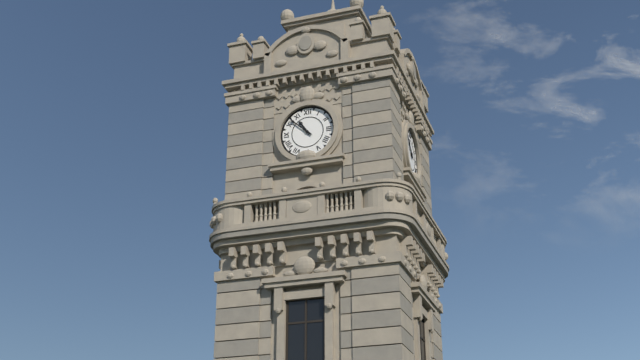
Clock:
10.52
